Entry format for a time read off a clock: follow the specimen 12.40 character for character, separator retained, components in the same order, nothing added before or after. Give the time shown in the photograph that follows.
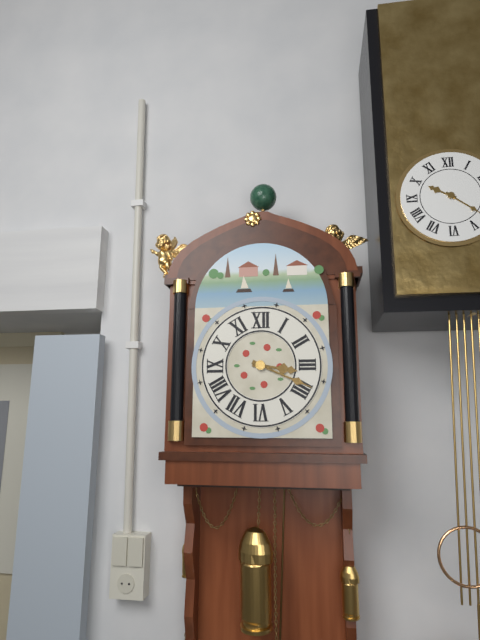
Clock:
3.19
